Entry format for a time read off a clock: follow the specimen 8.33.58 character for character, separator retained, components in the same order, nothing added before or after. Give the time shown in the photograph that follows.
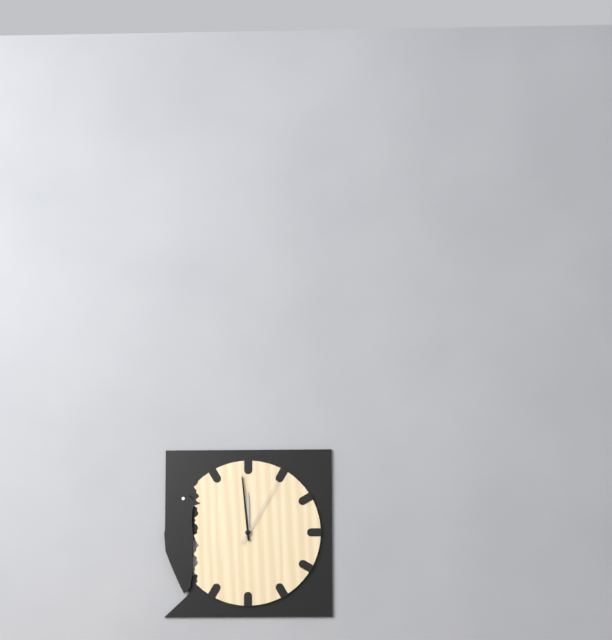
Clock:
11.59.05
